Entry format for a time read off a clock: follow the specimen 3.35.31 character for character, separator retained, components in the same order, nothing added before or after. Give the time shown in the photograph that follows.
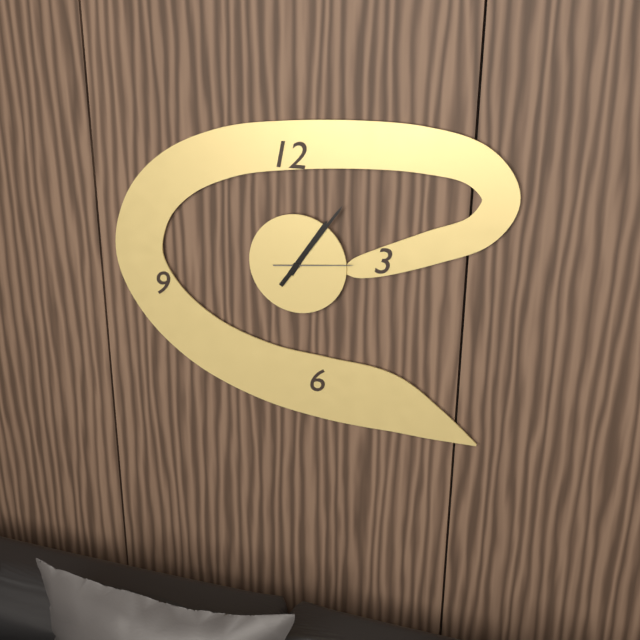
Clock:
1.06.14
